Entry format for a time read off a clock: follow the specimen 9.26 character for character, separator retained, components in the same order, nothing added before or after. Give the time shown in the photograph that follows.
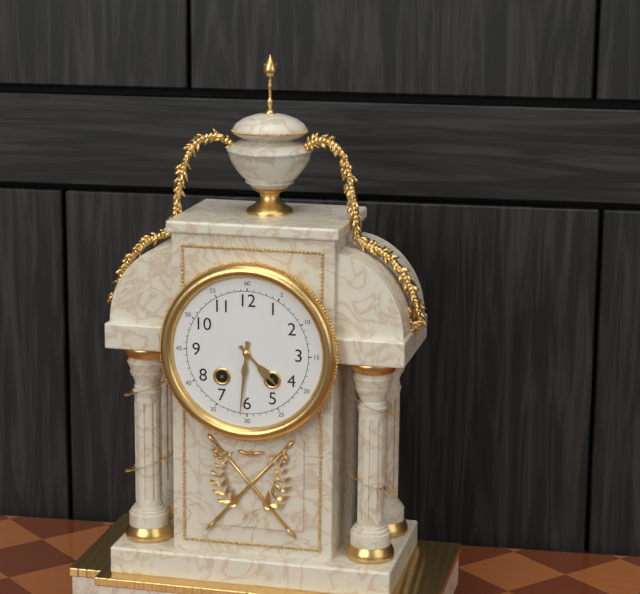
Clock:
4.31
